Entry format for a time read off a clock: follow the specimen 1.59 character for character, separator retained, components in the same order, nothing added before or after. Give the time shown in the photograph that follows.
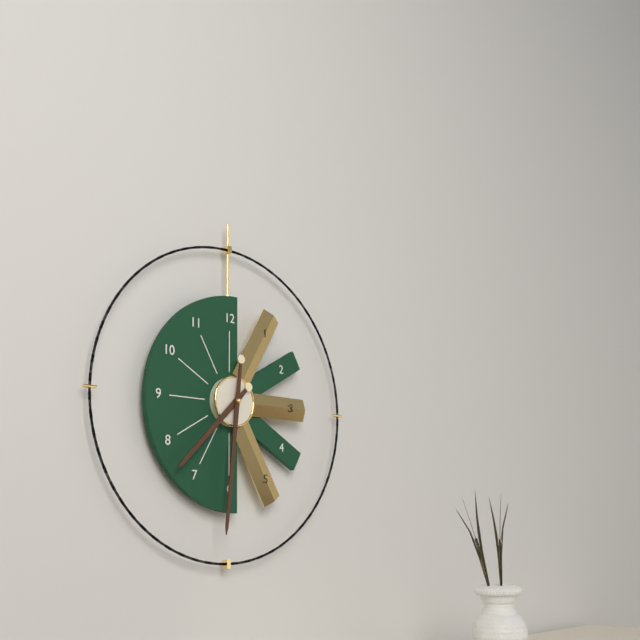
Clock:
7.31
